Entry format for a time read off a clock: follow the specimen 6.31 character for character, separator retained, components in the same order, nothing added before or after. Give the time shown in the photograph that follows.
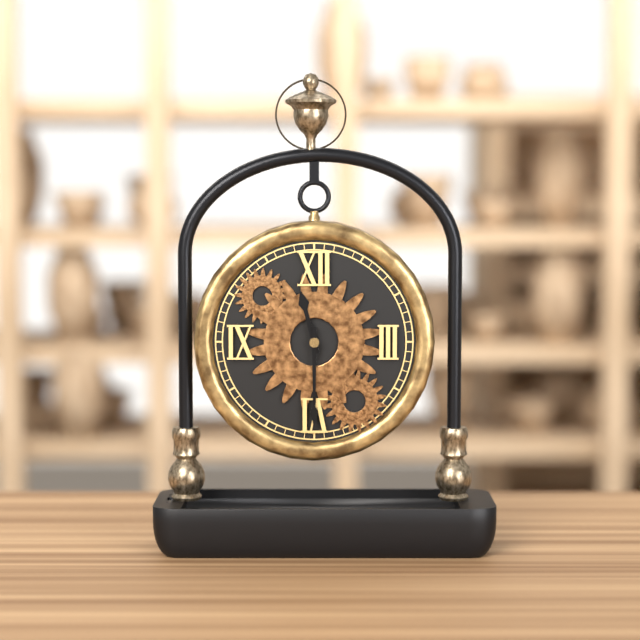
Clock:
11.30
